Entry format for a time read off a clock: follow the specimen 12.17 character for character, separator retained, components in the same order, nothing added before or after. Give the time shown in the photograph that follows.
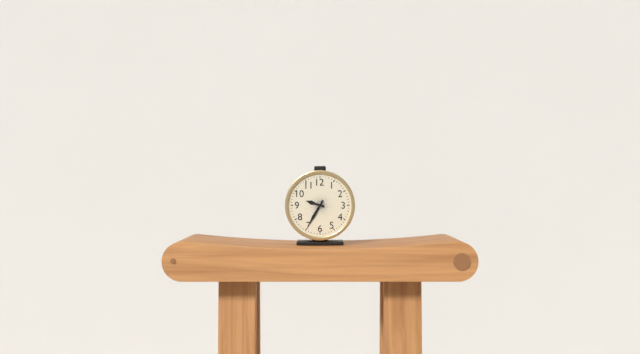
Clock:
9.35
